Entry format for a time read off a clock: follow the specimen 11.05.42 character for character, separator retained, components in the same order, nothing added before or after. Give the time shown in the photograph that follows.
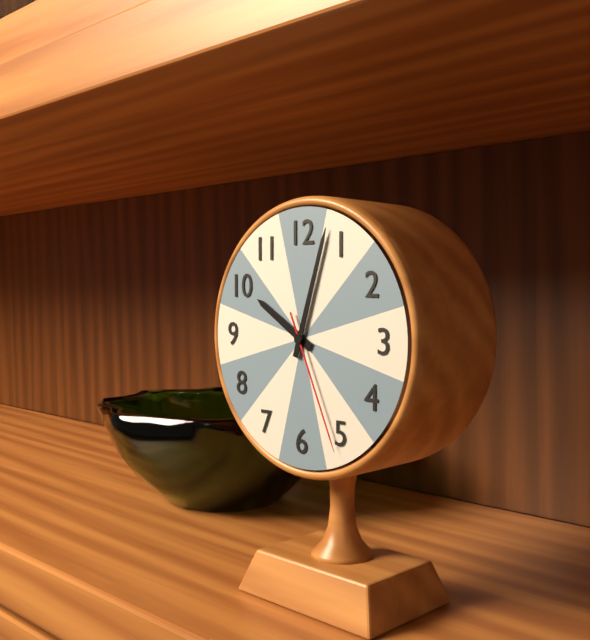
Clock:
10.03.26
